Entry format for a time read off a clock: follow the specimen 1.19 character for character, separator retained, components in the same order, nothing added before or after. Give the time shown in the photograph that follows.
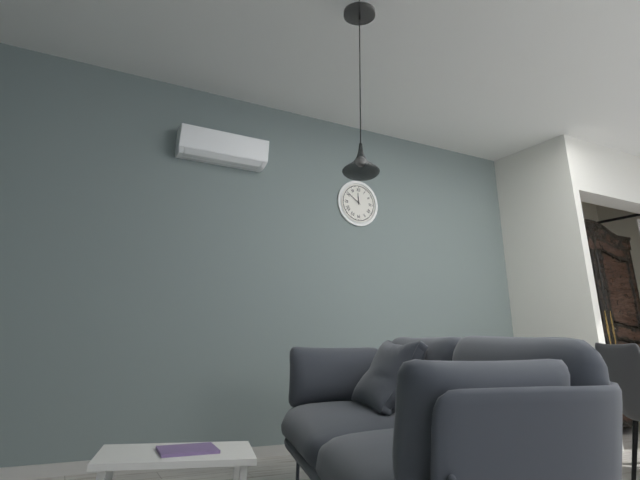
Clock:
11.51
